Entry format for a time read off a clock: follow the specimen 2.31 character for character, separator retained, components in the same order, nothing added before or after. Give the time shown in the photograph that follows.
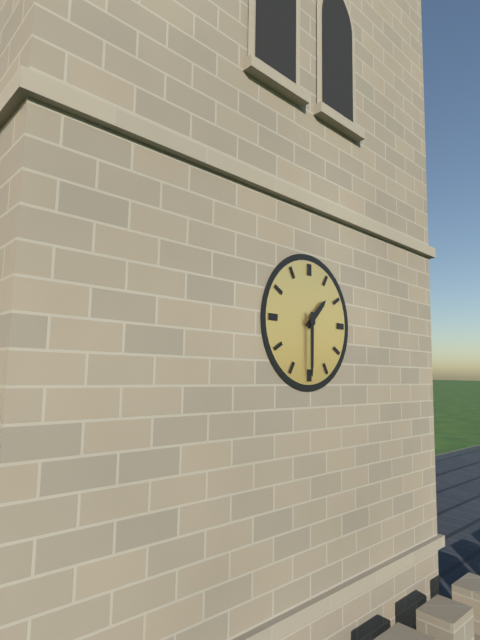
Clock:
1.30
